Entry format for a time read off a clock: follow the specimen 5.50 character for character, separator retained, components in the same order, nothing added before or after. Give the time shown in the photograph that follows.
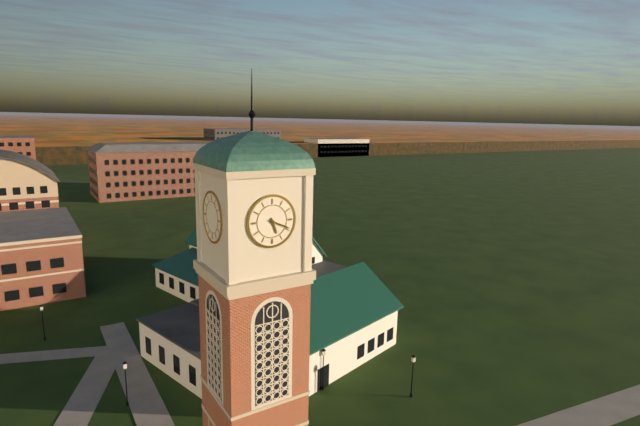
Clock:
5.19
